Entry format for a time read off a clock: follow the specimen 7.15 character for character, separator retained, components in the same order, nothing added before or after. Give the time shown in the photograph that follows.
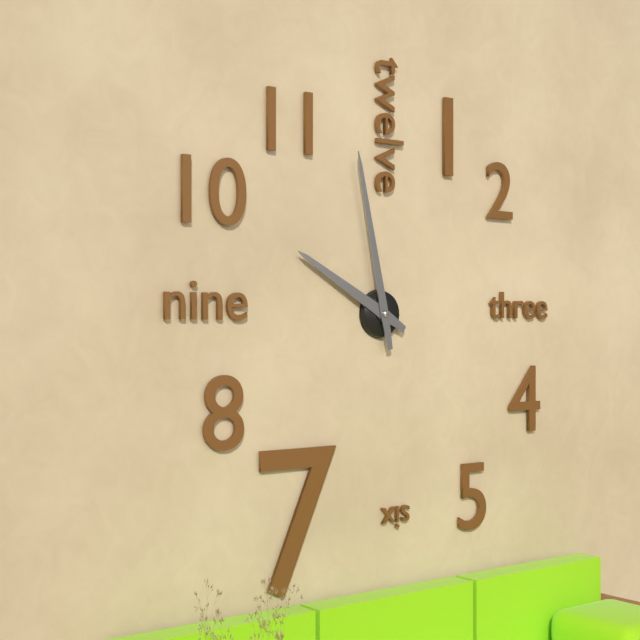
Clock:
9.58
